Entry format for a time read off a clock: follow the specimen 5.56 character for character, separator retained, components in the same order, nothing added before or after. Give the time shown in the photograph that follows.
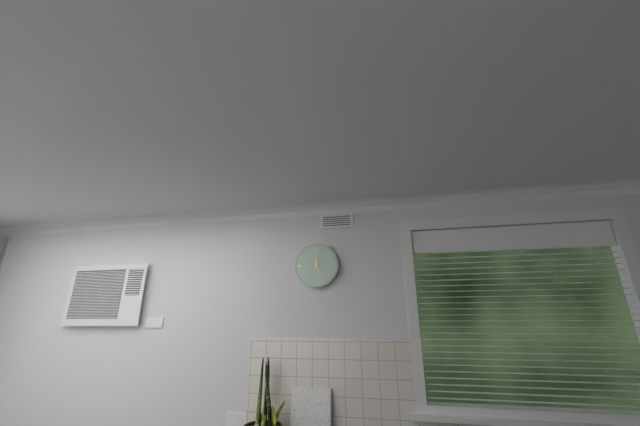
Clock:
12.26
